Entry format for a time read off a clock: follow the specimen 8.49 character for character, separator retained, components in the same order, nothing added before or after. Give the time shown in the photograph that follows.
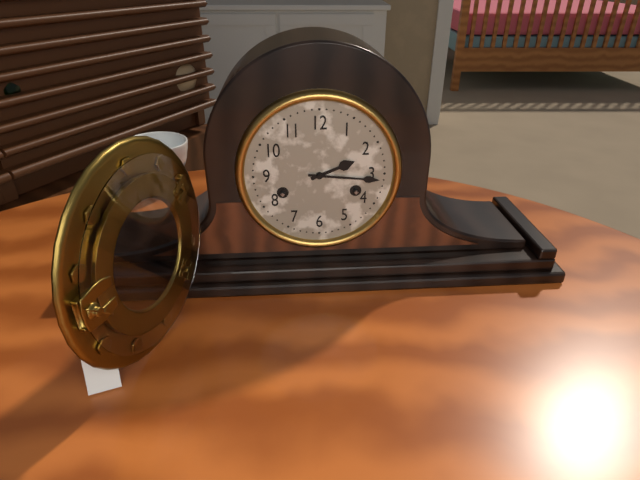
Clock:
2.16
